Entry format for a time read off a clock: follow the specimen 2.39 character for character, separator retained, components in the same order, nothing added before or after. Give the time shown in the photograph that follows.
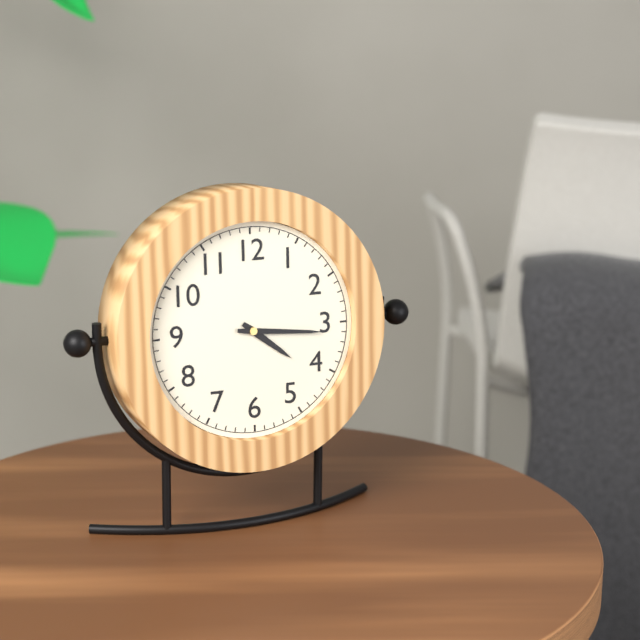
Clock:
4.16
